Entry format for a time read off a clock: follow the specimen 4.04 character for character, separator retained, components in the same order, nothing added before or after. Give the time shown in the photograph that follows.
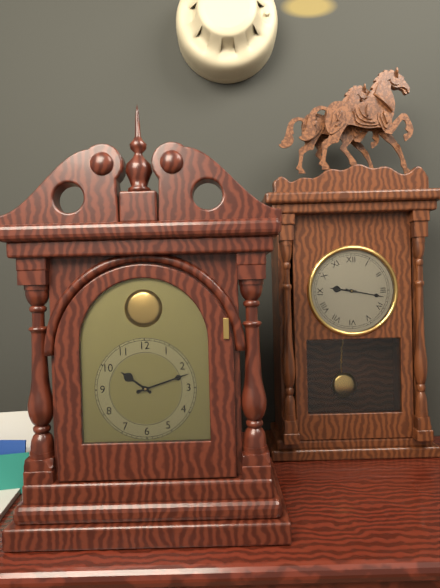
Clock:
10.12
